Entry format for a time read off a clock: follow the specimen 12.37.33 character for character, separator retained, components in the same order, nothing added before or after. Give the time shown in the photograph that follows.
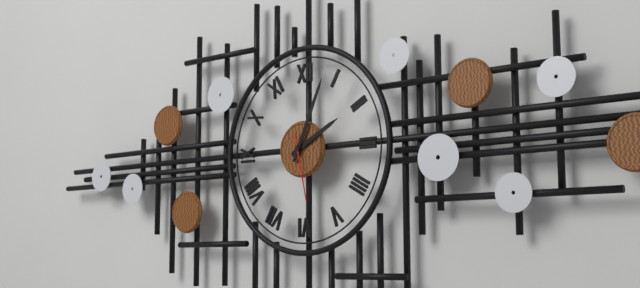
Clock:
2.04.28
